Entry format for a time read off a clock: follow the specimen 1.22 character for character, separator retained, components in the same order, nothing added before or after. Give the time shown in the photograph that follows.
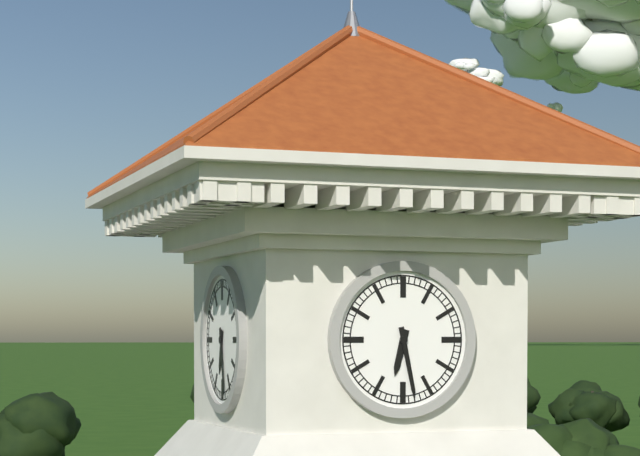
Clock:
6.28
